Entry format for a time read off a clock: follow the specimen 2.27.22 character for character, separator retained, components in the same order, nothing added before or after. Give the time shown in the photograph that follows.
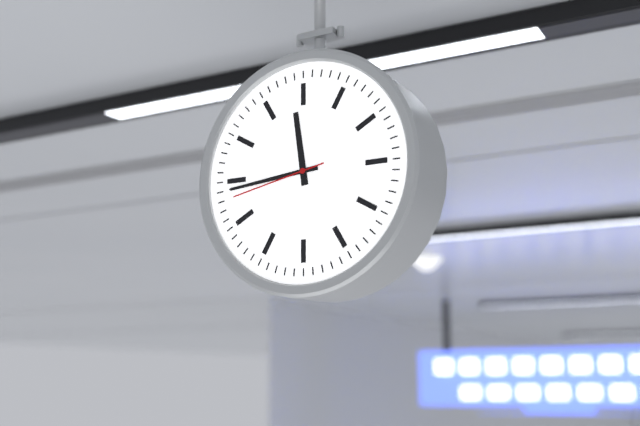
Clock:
11.44.43
